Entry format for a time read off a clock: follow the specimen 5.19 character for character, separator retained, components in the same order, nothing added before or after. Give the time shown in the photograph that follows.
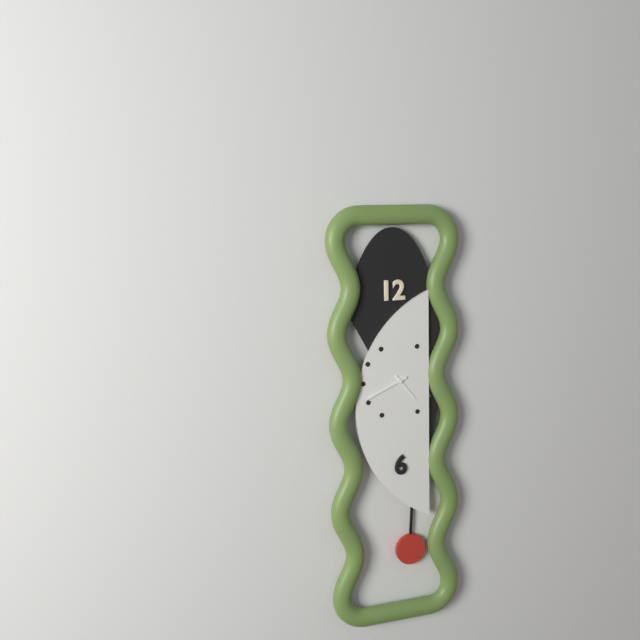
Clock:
4.41
